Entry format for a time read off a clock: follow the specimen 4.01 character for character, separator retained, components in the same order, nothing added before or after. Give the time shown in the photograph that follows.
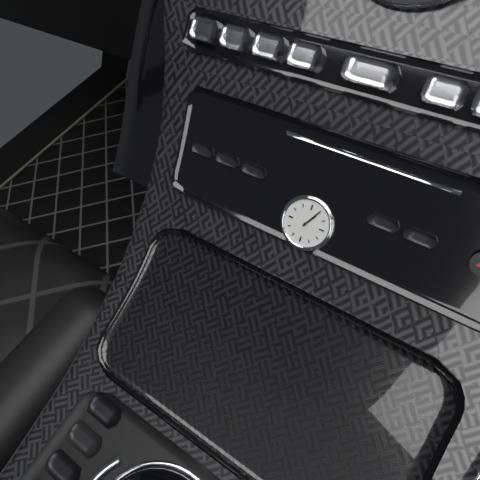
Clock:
1.05
